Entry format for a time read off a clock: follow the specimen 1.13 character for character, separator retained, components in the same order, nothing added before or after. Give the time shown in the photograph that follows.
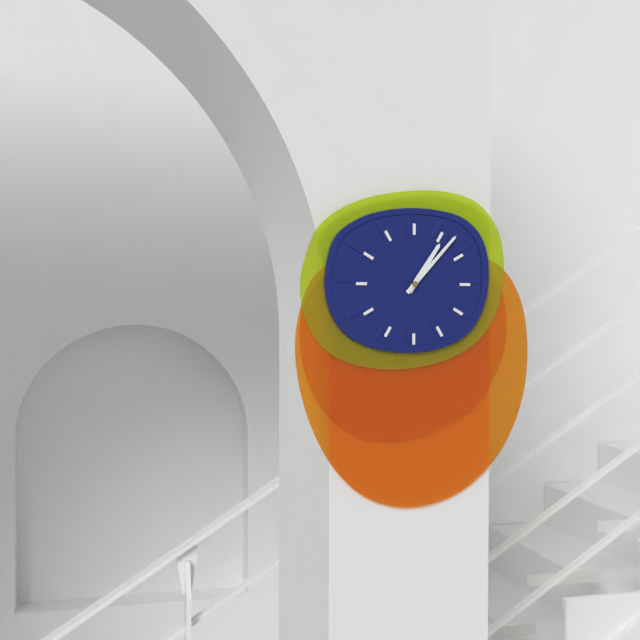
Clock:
1.07
